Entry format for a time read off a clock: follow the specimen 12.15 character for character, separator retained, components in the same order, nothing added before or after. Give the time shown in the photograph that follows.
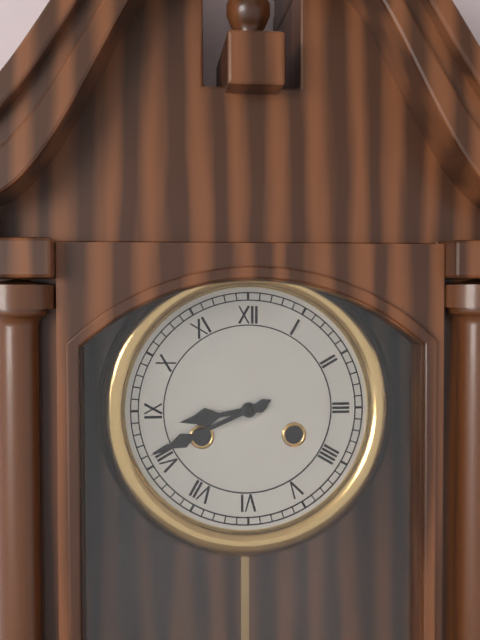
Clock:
8.41
